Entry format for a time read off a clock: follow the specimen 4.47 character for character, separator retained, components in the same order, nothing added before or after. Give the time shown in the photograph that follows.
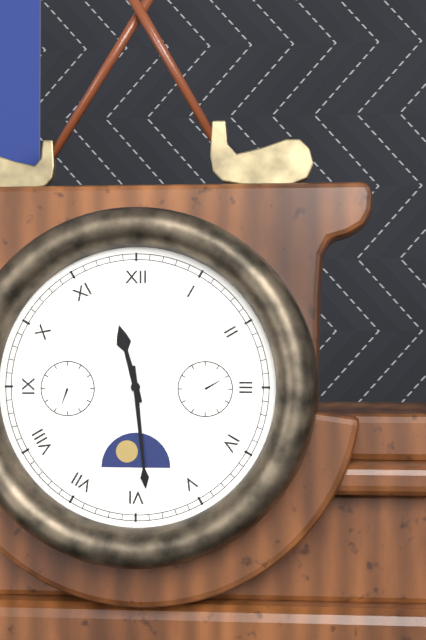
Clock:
11.29
